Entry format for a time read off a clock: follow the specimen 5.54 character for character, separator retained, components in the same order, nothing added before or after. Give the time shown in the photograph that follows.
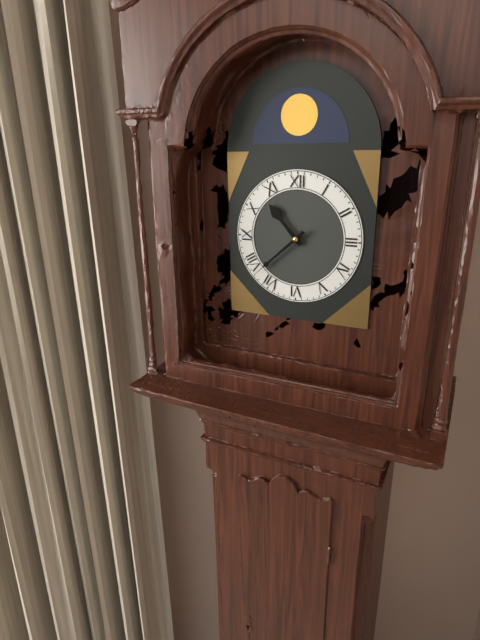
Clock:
10.38
